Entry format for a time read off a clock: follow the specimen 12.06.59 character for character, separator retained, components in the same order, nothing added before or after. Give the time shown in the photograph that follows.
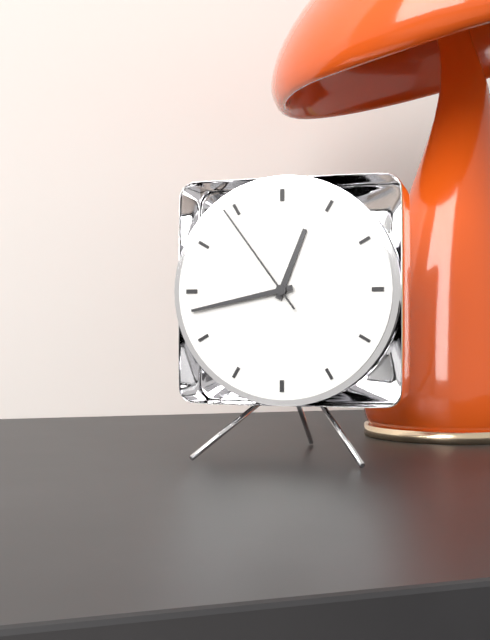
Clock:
12.43.54
